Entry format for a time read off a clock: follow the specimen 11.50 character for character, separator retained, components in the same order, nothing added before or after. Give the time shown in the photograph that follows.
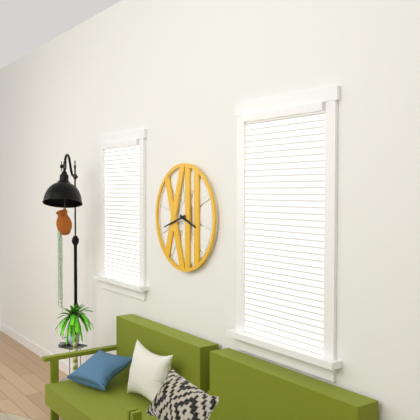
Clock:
3.42
